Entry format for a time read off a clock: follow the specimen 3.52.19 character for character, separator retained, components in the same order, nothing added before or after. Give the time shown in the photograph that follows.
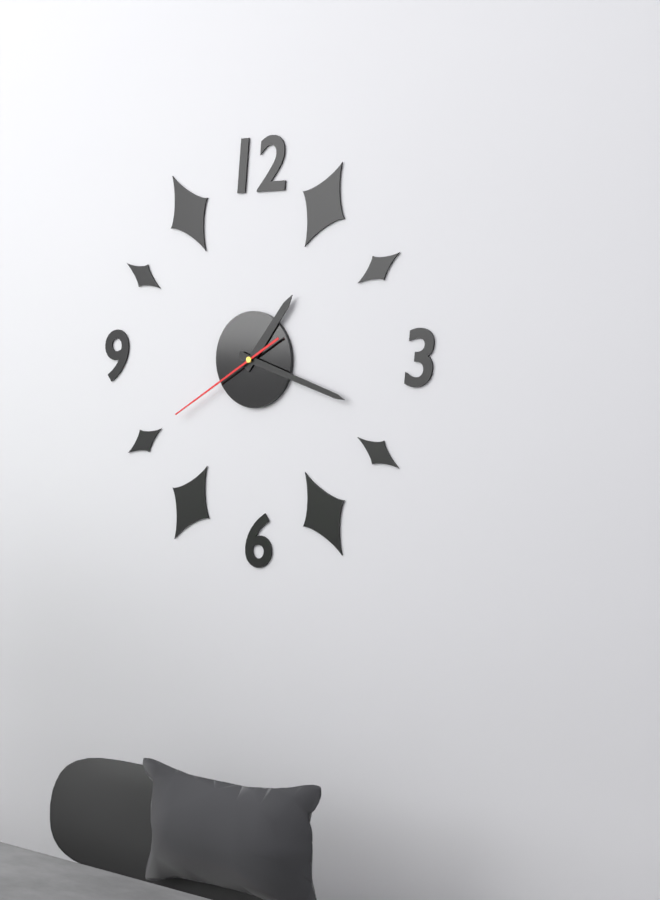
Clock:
1.18.40
